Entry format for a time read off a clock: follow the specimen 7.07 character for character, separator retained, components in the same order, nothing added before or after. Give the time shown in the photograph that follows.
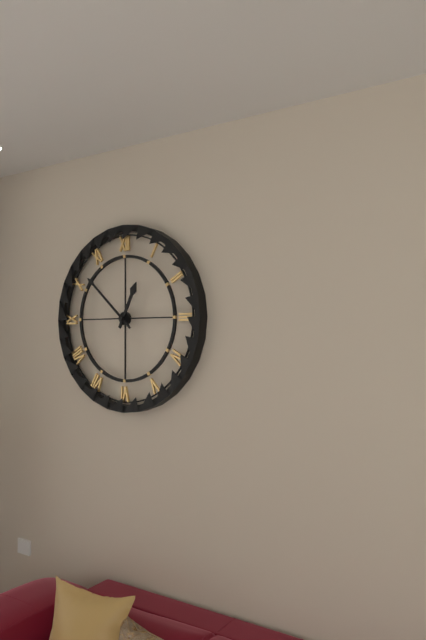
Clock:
12.52
